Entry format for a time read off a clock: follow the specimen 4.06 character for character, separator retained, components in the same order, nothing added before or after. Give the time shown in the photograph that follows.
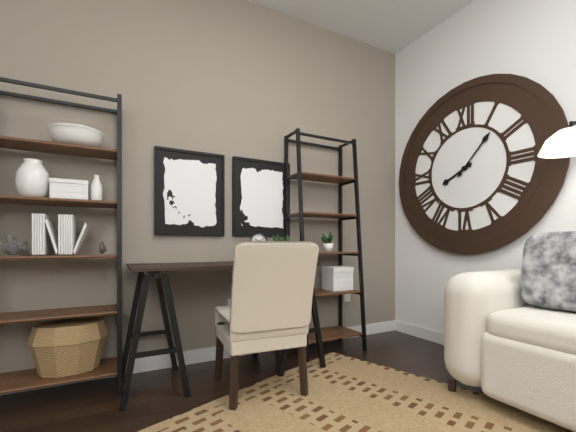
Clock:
8.07
